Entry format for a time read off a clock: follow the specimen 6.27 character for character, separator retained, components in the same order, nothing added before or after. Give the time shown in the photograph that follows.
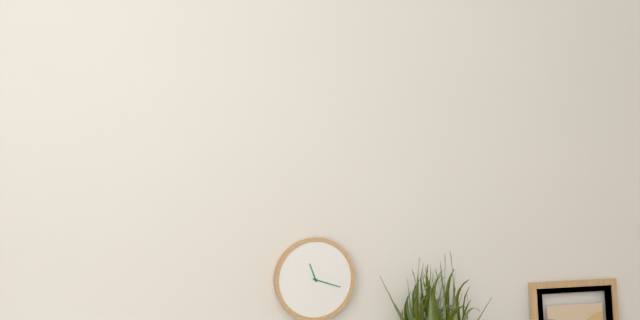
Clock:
11.18
